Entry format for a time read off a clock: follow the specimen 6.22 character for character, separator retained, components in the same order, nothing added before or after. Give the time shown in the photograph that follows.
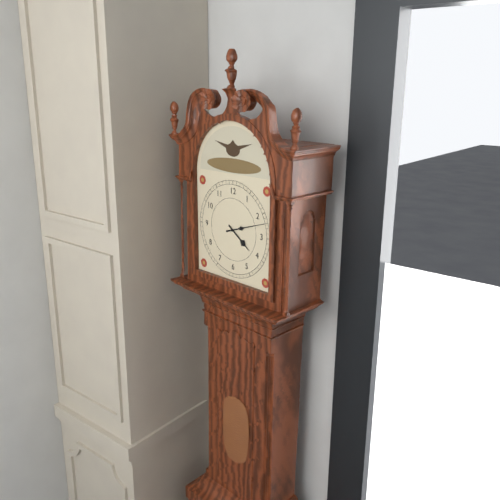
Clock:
4.12
